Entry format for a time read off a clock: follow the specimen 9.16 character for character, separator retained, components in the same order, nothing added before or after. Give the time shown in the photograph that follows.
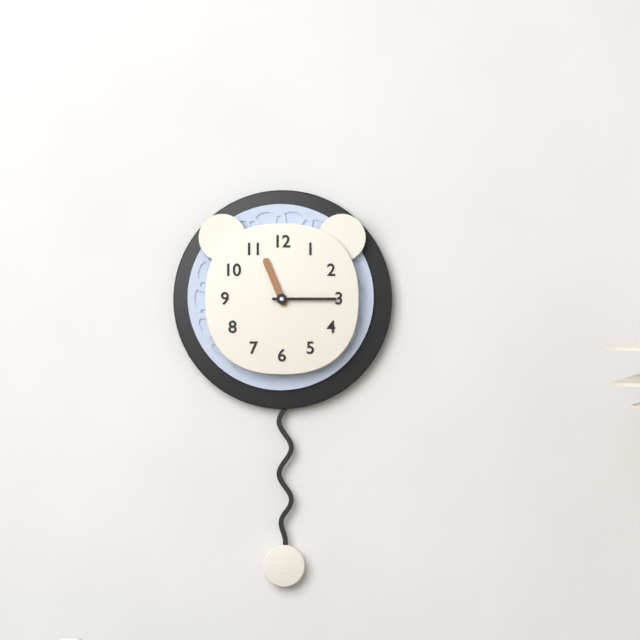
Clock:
11.15
